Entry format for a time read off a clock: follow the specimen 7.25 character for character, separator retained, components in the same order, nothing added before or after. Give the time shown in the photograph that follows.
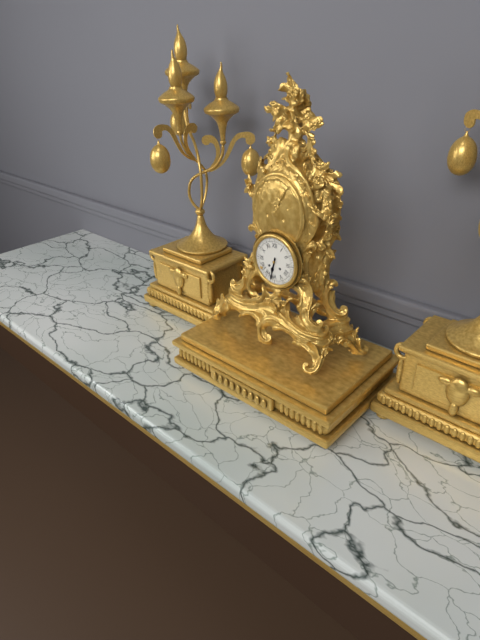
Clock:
6.32
